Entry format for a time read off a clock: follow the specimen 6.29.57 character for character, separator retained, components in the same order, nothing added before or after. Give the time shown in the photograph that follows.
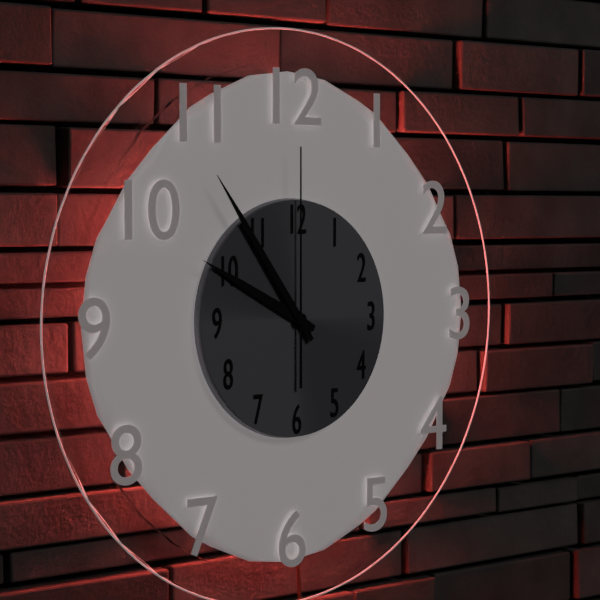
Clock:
9.54.00
